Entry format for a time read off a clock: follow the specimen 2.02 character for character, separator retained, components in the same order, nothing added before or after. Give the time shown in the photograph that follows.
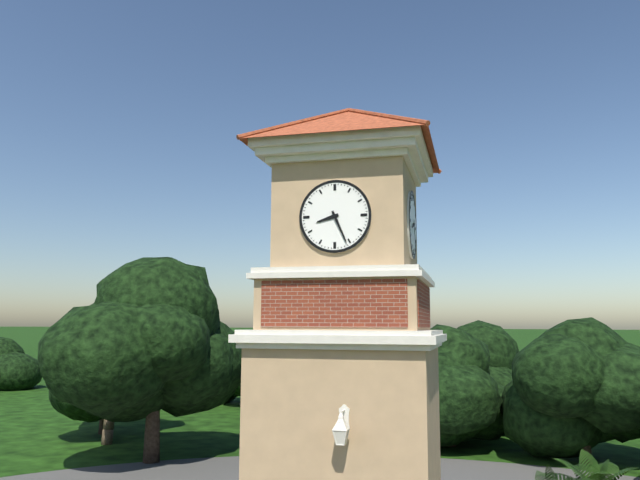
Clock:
8.26
